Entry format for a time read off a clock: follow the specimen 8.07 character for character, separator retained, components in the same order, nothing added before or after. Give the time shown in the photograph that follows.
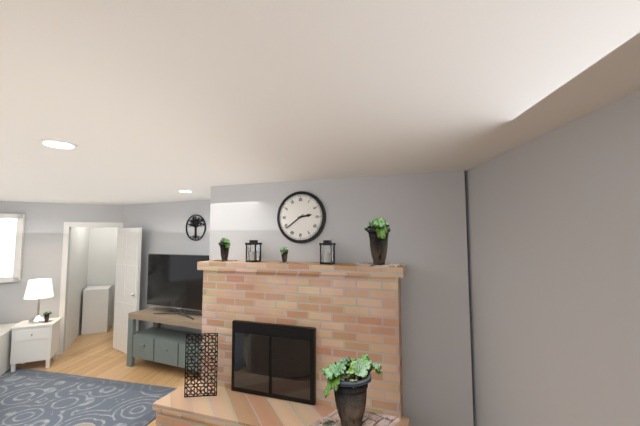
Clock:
2.39
